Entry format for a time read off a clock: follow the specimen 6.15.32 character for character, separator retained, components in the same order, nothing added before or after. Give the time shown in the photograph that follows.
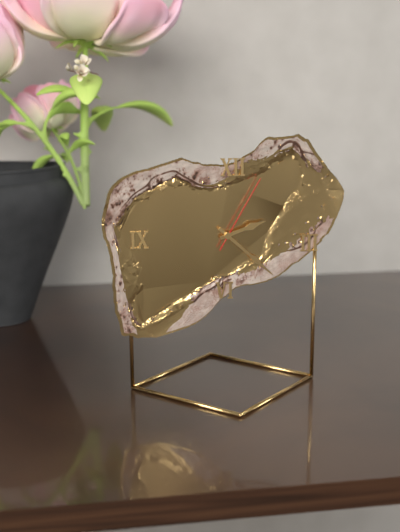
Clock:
2.22.05
